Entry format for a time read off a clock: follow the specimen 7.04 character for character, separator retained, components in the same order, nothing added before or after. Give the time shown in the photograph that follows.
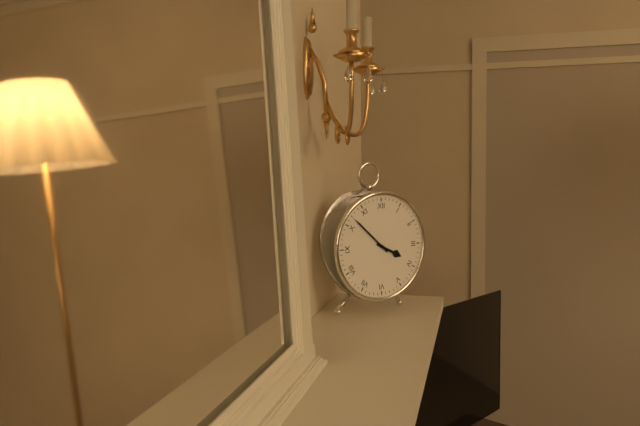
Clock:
3.52
